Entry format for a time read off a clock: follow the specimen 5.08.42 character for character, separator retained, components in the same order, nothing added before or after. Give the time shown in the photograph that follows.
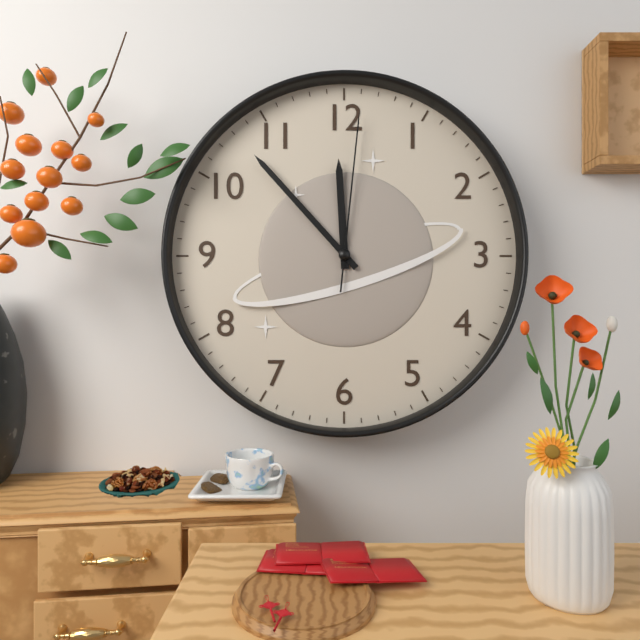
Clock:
11.53.01
